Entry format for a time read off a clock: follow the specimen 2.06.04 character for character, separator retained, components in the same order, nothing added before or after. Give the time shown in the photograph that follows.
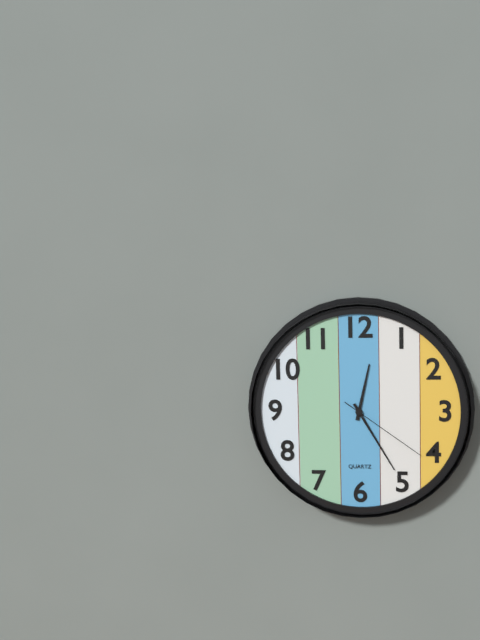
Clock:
12.25.21
